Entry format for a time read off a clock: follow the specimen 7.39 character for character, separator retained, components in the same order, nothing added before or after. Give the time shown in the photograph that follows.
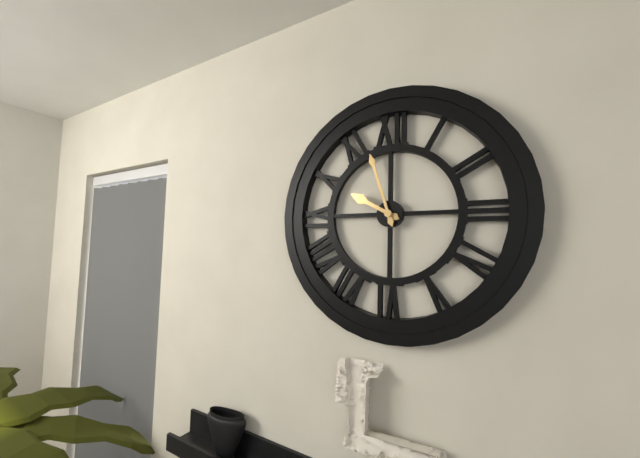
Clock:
9.57
